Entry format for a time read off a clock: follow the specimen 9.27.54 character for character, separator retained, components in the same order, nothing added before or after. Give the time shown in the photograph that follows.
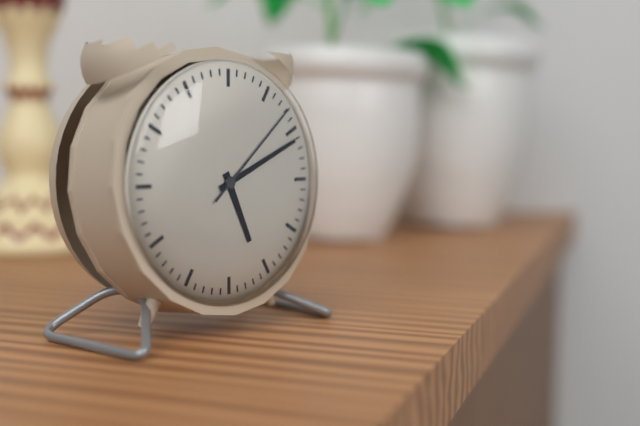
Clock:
5.11.08
